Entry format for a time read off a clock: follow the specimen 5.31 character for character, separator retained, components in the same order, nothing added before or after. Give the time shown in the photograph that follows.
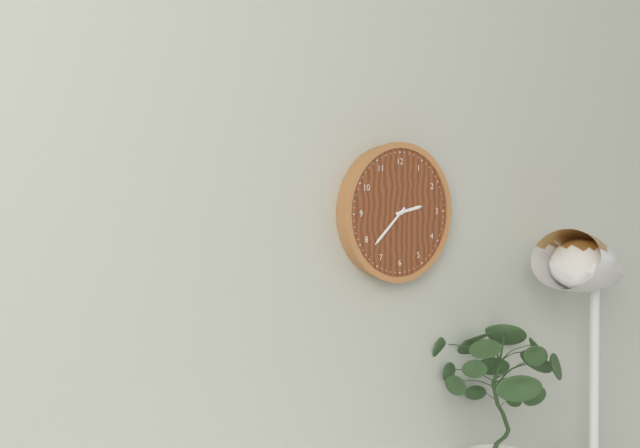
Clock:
2.38
